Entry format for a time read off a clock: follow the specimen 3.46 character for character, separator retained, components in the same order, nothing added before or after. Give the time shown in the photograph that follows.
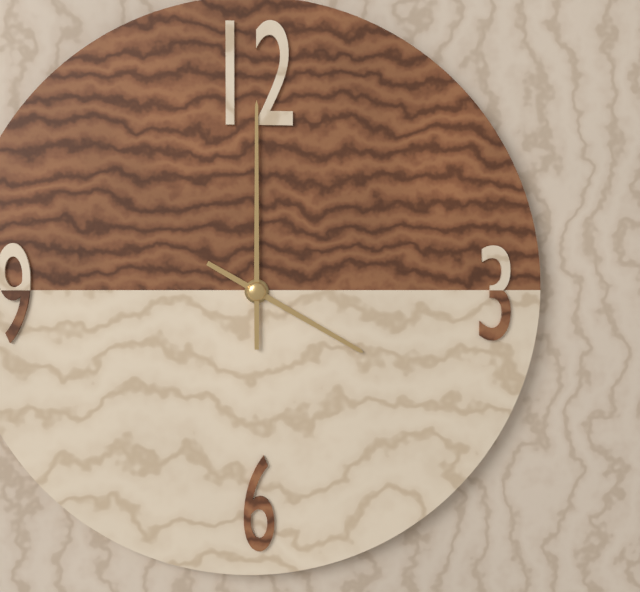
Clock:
4.00
